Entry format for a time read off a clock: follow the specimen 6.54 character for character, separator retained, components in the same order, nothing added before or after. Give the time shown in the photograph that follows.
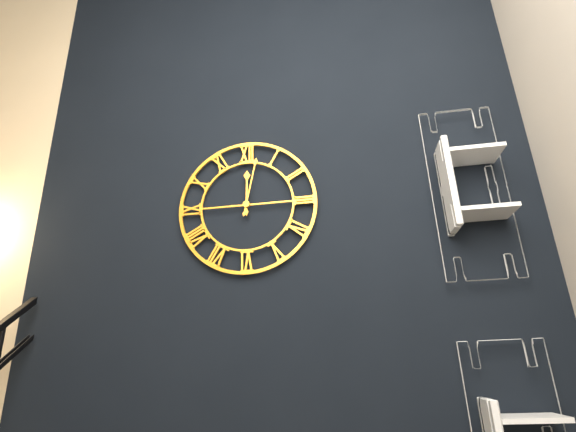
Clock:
12.02
